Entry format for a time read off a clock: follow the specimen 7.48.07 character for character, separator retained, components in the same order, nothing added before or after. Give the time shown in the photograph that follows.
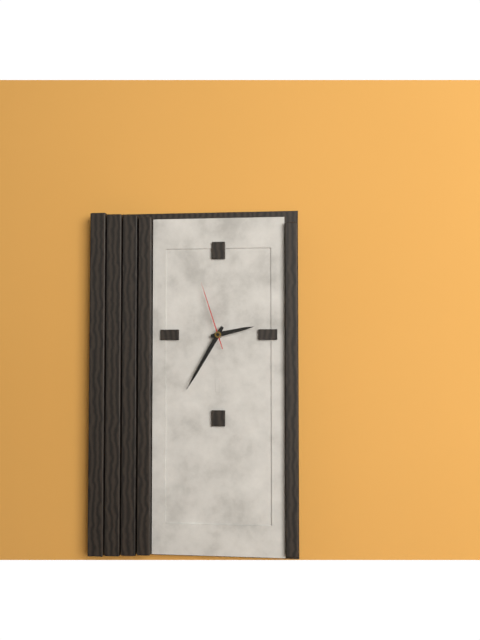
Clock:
2.35.57
